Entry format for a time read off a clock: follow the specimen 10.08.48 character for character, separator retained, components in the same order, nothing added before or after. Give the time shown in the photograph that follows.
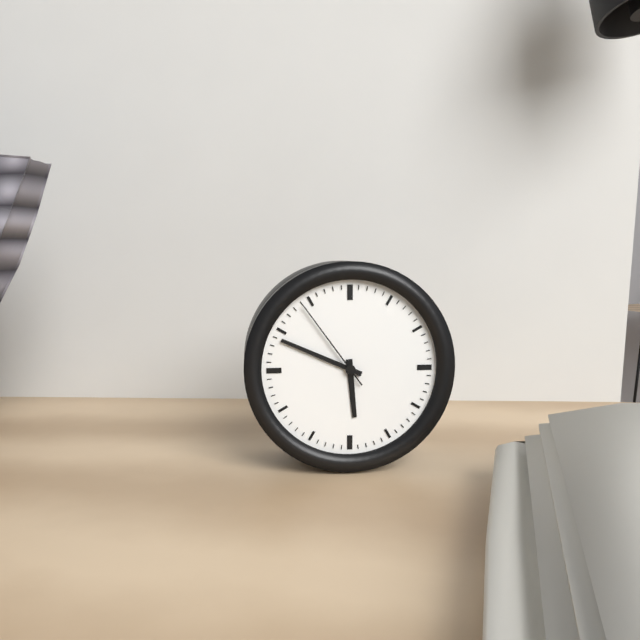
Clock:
5.49.54
